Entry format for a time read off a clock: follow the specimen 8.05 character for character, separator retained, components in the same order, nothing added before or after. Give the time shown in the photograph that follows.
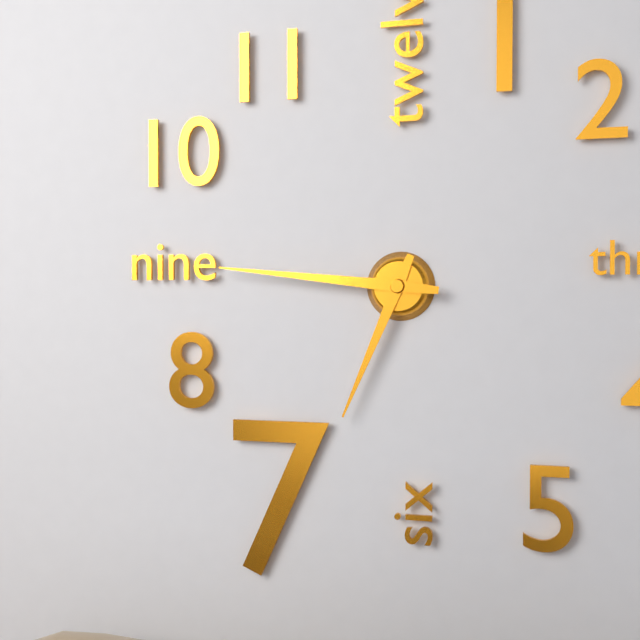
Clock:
6.46
